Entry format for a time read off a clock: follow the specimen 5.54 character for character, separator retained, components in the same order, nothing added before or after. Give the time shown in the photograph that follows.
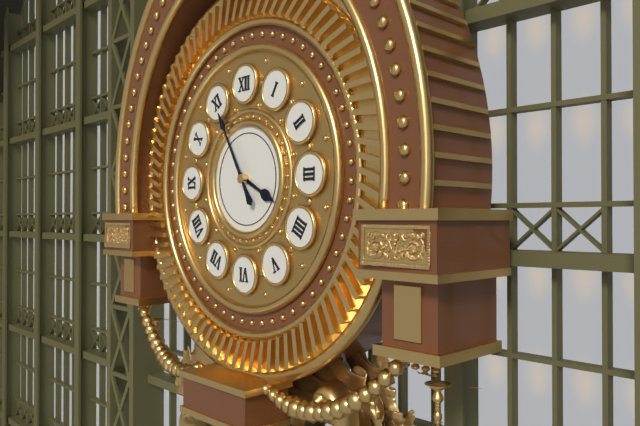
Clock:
3.55
